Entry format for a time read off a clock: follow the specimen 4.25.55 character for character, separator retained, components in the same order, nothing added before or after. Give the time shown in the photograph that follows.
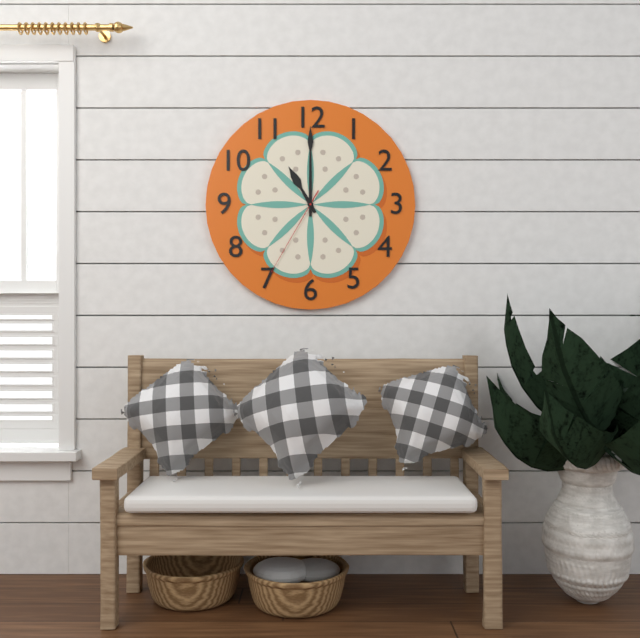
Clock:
11.00.35
